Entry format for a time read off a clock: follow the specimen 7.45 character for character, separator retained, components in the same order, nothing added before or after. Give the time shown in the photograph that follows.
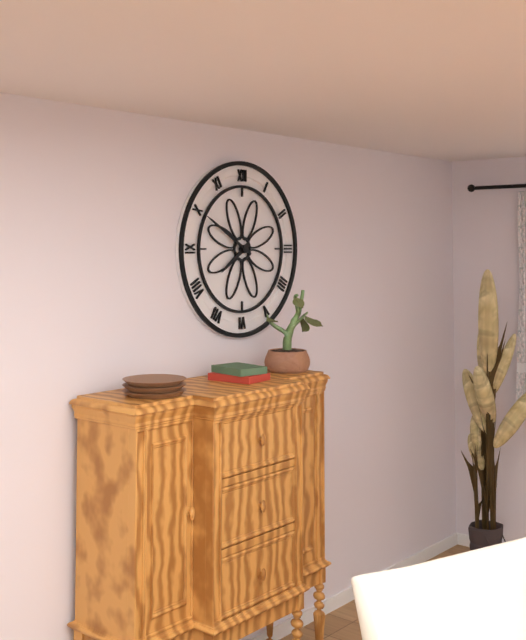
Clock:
7.50
